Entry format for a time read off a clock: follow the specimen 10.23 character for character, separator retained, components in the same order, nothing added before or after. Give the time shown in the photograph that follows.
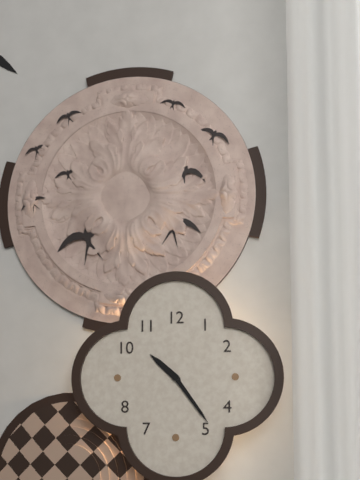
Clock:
10.24
